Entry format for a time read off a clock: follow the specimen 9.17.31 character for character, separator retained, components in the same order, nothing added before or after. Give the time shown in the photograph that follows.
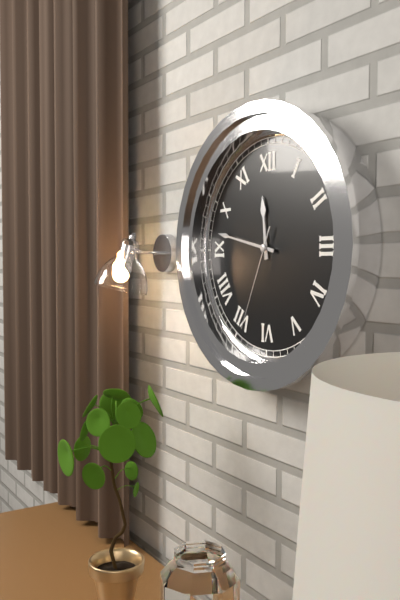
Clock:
11.47.34
